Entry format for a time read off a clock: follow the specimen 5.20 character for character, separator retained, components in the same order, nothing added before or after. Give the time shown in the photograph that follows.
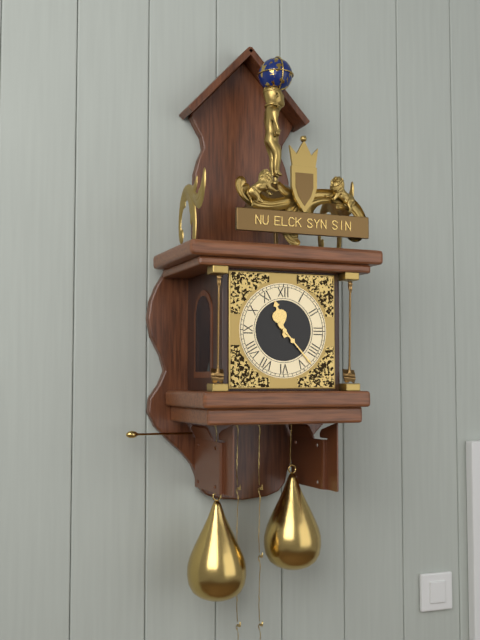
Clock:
11.23
